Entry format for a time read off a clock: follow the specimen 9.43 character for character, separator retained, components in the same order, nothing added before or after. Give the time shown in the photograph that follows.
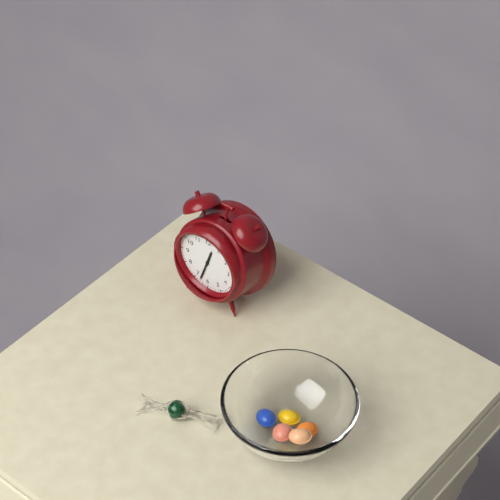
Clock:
12.33
